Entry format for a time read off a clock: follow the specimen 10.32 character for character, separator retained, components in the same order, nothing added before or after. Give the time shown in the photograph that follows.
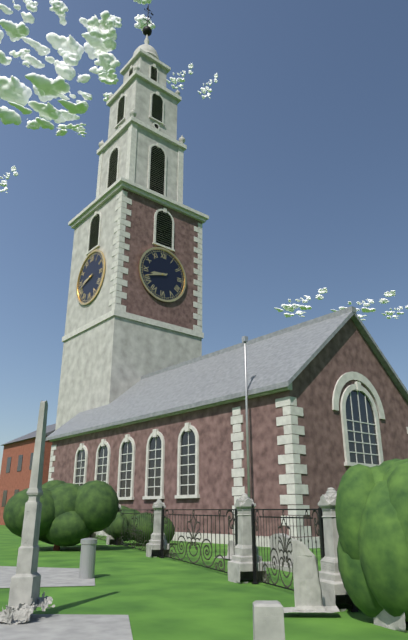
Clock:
8.42
